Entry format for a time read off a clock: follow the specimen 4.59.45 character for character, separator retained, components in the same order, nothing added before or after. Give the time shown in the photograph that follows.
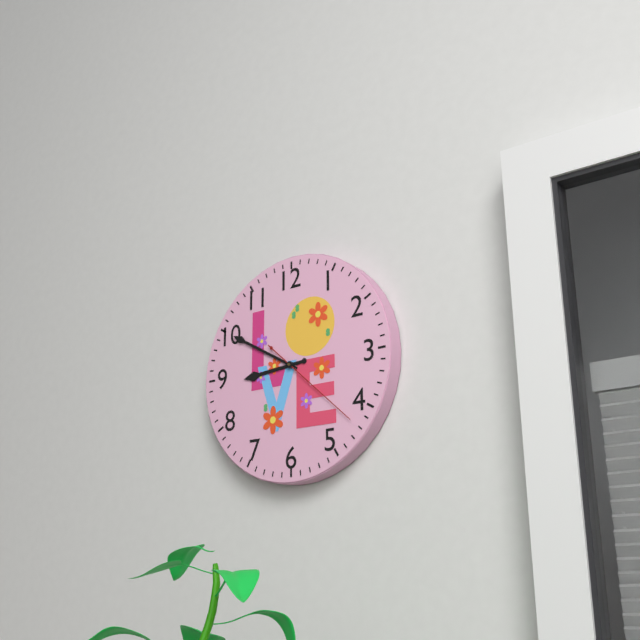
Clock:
8.50.22
